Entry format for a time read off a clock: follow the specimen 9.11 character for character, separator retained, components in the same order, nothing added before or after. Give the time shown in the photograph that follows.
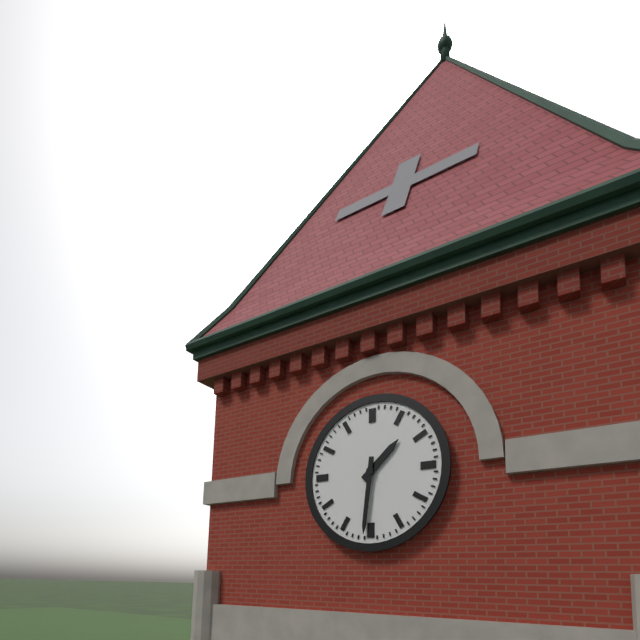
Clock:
1.31
